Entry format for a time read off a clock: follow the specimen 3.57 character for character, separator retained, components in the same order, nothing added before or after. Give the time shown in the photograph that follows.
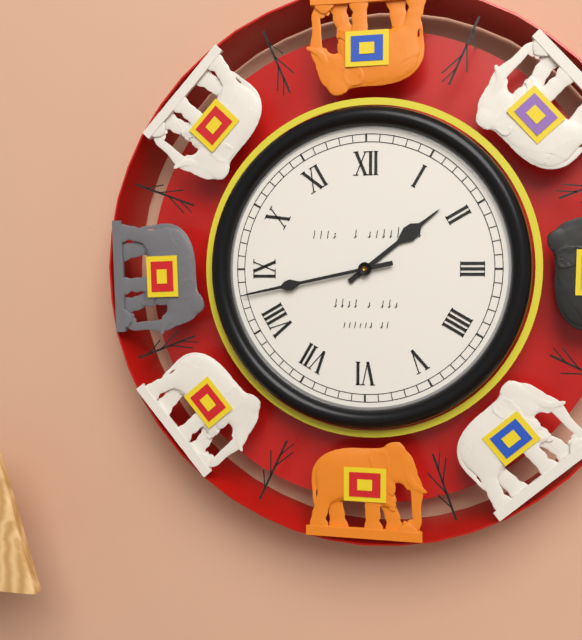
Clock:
1.43
